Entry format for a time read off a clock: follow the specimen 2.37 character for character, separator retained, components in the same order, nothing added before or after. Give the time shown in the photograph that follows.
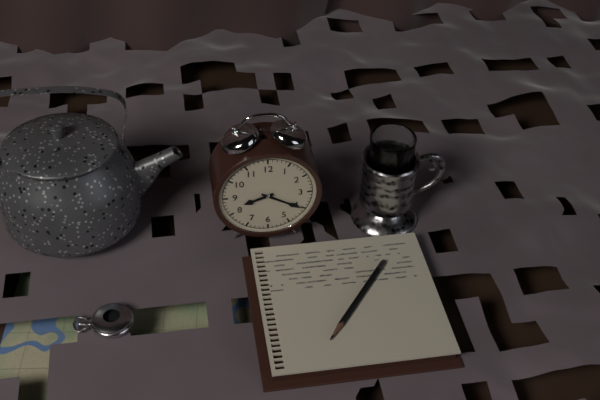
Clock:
8.20
